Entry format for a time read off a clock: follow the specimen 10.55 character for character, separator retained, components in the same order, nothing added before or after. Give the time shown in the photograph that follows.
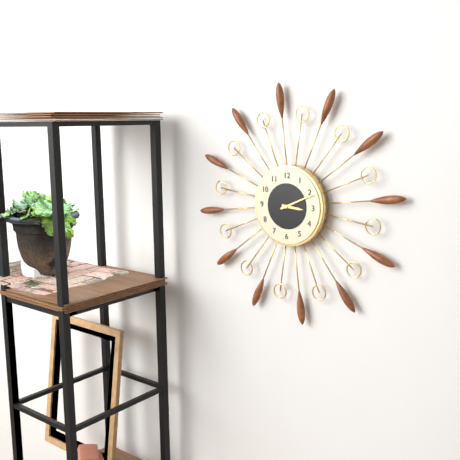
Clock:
3.11
